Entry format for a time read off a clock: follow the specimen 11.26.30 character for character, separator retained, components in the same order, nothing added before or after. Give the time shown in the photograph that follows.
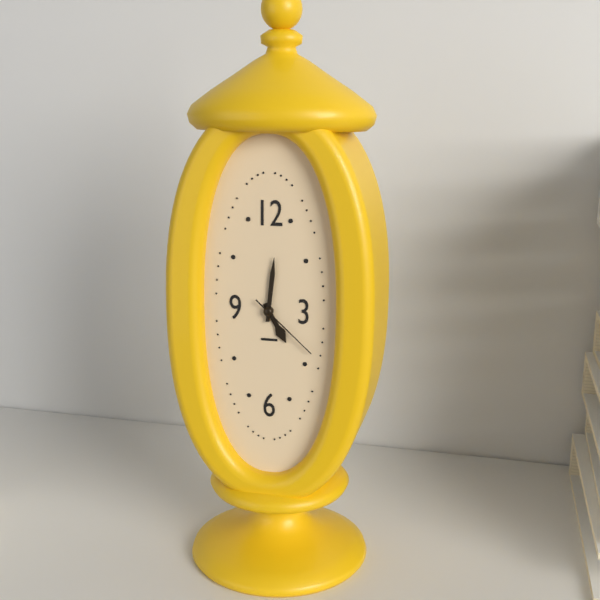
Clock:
5.01.22
